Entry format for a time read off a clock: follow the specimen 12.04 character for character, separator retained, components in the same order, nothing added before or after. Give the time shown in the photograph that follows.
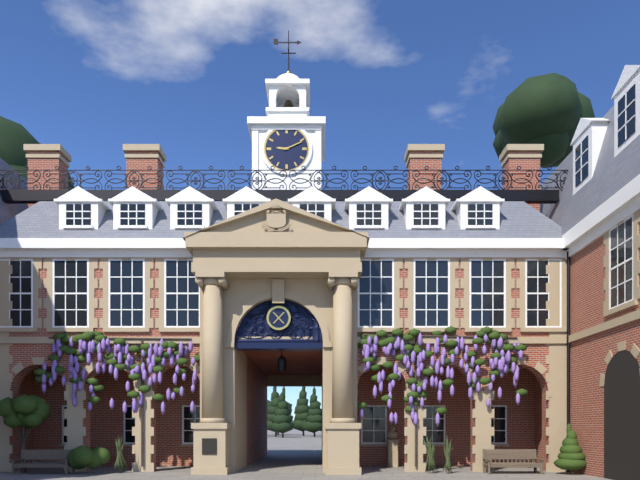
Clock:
9.11
